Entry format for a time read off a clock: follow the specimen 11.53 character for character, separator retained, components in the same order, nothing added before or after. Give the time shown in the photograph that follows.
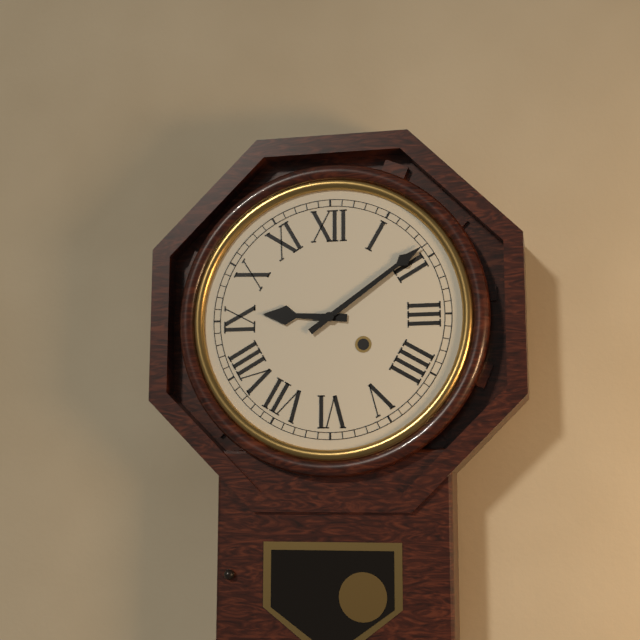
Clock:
9.09
